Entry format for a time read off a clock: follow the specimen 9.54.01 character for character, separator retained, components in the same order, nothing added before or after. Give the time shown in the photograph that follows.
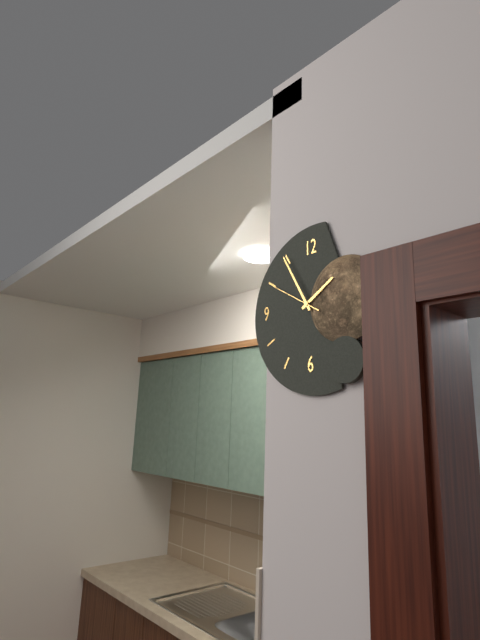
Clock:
1.55.50
